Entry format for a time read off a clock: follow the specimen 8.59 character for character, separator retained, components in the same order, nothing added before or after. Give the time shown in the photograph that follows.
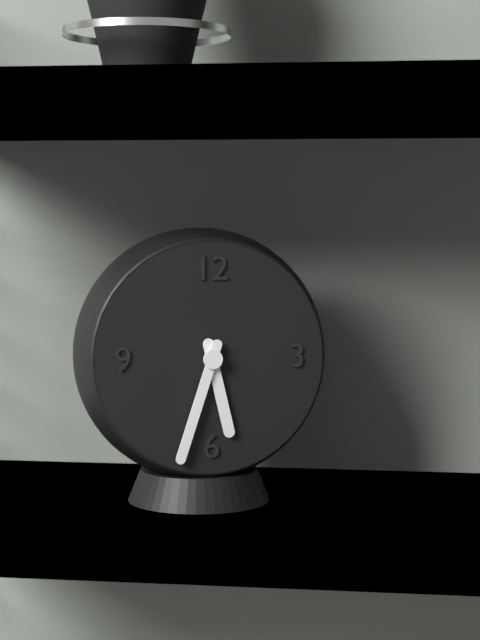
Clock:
5.33
